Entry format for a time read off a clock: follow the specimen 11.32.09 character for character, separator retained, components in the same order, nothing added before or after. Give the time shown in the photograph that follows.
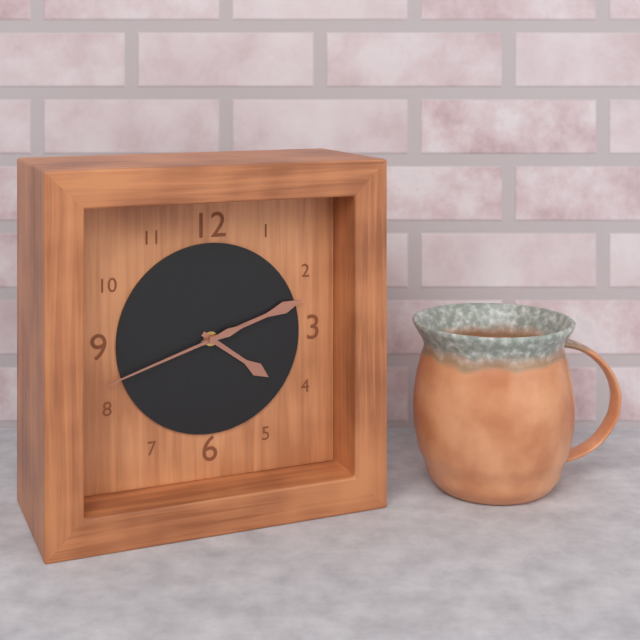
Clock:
4.12.42
